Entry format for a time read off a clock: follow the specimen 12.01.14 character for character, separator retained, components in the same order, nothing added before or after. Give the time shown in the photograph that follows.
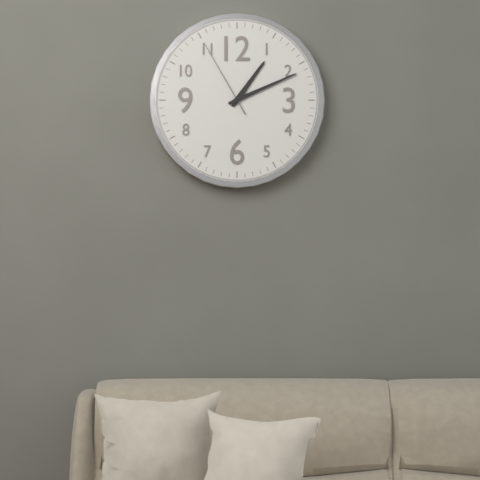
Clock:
1.11.55
